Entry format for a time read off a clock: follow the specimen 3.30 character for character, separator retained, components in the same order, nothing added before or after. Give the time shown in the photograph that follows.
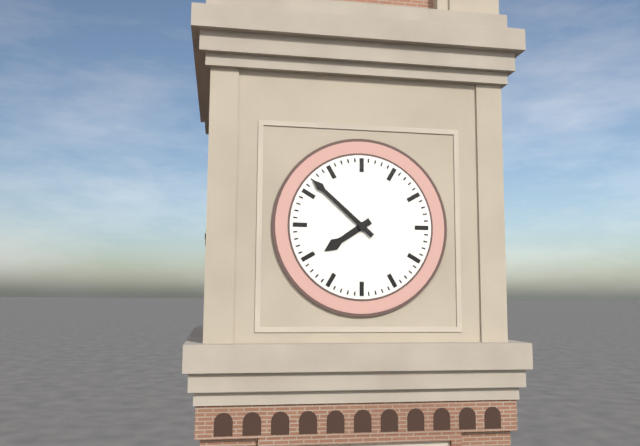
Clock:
7.52
